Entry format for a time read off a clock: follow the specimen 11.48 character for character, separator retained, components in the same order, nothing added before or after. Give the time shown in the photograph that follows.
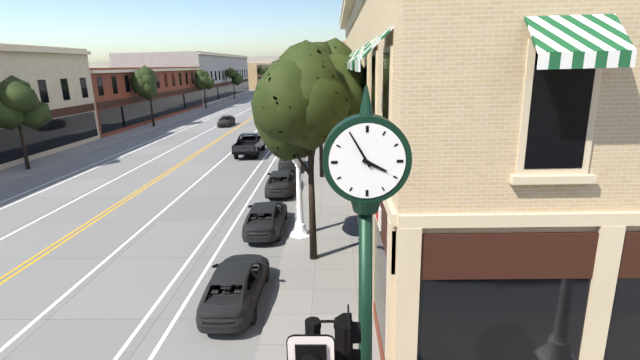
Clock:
3.55
